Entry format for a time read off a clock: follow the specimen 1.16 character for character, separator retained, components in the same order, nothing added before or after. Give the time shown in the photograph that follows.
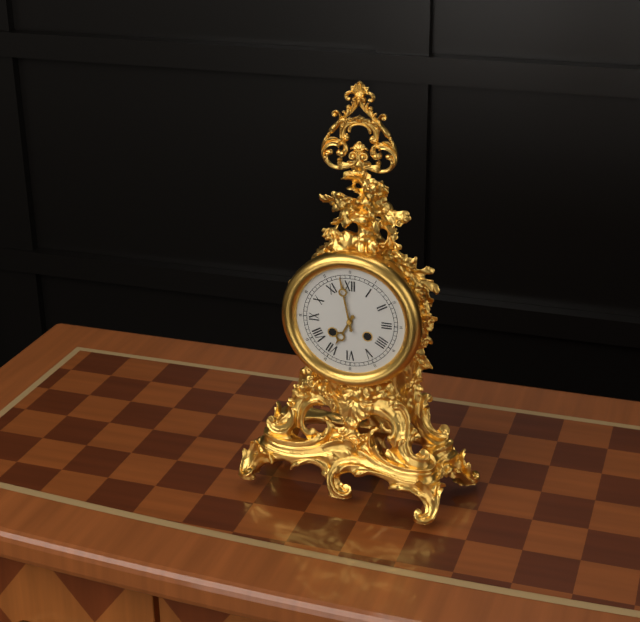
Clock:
6.58
